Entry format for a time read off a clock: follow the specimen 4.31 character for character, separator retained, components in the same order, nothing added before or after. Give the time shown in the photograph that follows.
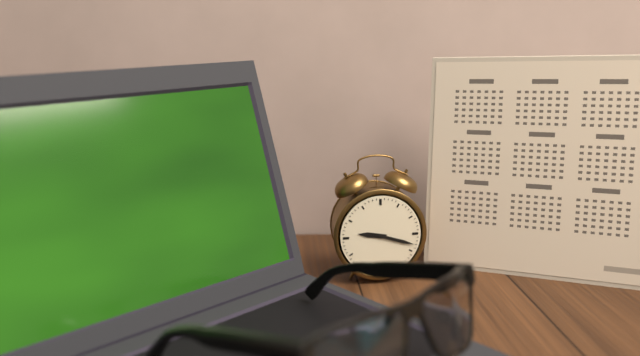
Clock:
9.18
